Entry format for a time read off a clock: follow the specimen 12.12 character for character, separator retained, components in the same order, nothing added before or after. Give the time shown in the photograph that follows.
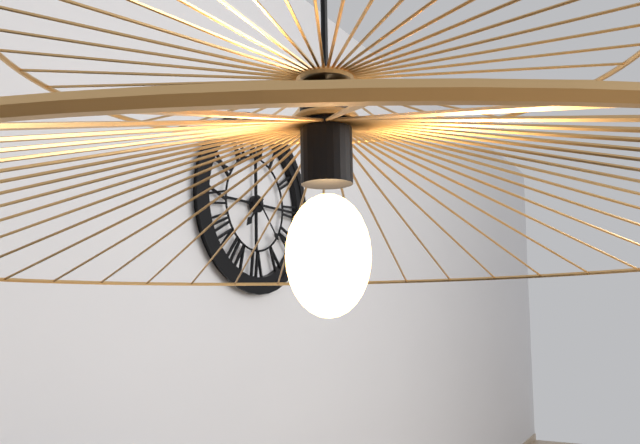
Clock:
7.23
